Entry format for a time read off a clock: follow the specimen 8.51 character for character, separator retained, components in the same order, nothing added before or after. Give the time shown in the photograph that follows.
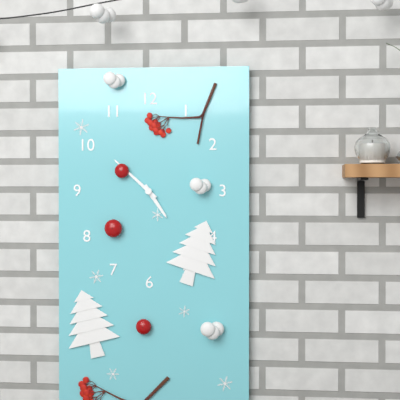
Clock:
4.52
